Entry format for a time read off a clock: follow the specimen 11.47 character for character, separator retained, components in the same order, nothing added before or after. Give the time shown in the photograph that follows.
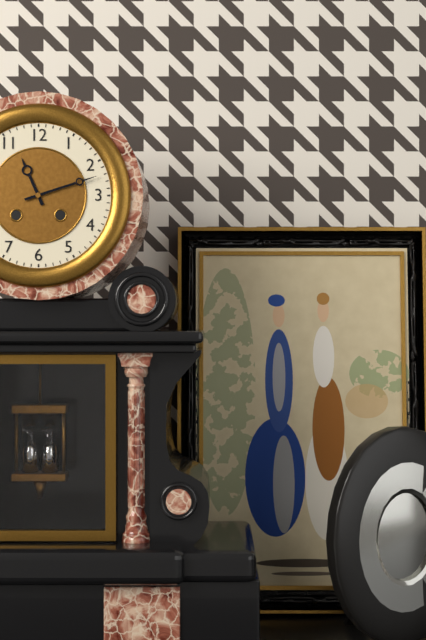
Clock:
11.12
